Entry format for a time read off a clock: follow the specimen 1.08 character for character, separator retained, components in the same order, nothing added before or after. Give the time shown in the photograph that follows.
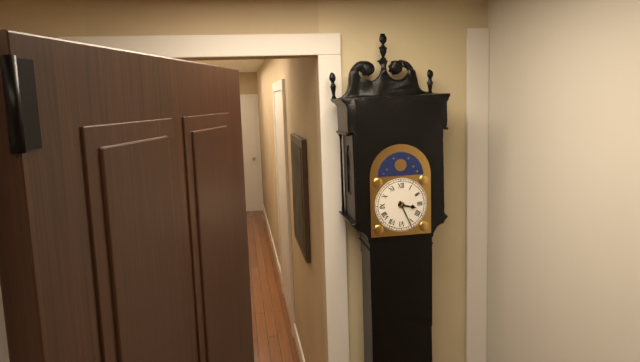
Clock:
3.26
